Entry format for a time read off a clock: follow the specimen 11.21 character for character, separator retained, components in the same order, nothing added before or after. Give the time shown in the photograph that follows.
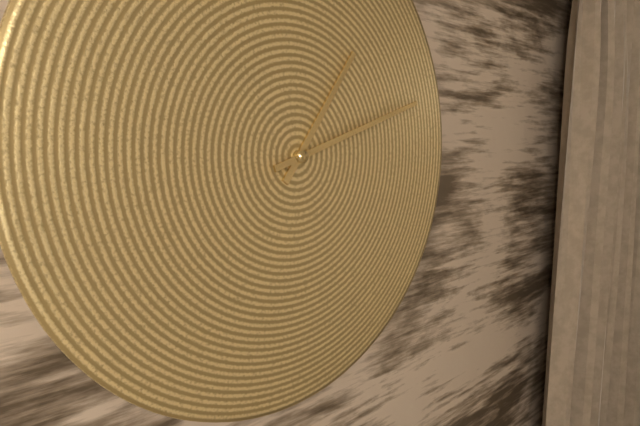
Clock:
1.12
